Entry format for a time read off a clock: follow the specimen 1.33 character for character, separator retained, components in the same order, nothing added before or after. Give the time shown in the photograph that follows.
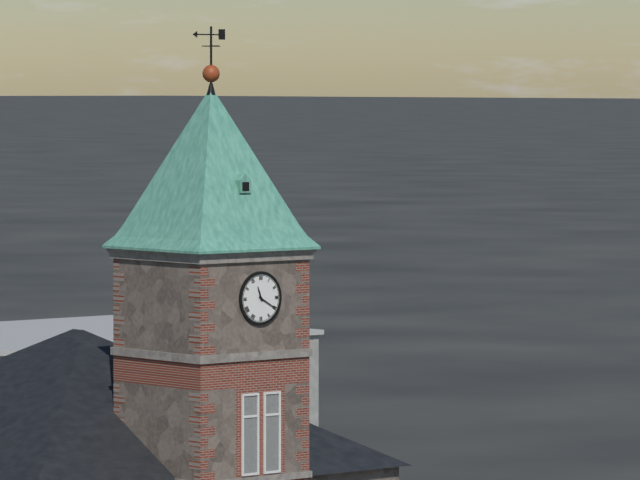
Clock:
11.20
